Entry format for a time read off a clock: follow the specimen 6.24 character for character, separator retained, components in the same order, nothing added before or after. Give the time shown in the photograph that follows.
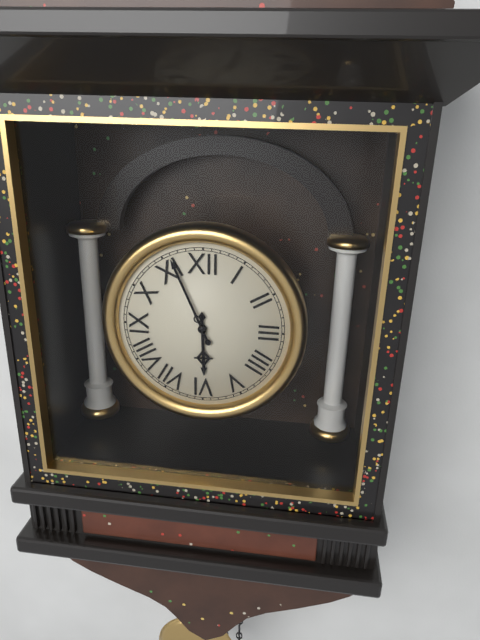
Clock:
5.56
